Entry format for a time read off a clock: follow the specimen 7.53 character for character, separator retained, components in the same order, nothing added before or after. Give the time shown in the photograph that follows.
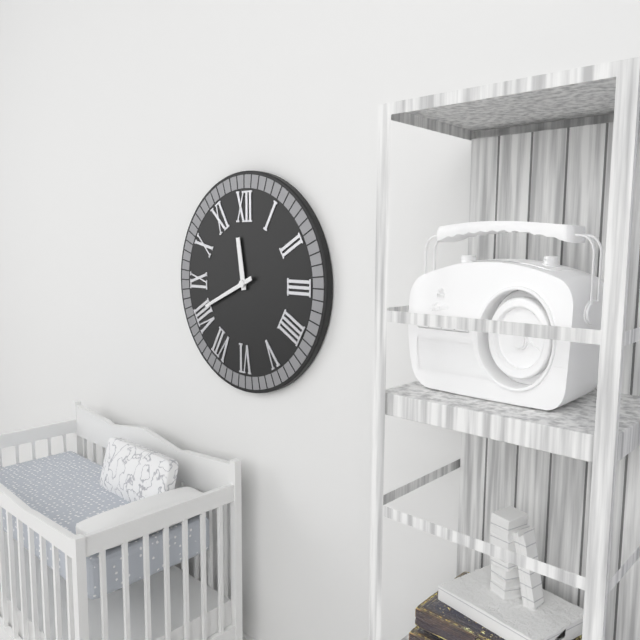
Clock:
11.41
